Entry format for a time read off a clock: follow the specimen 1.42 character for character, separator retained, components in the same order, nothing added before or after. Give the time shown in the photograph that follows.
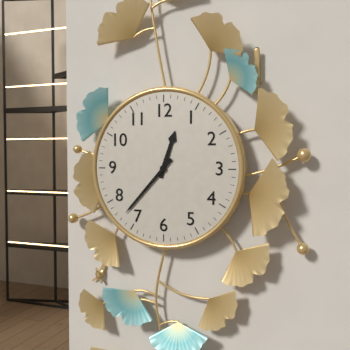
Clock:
12.37
